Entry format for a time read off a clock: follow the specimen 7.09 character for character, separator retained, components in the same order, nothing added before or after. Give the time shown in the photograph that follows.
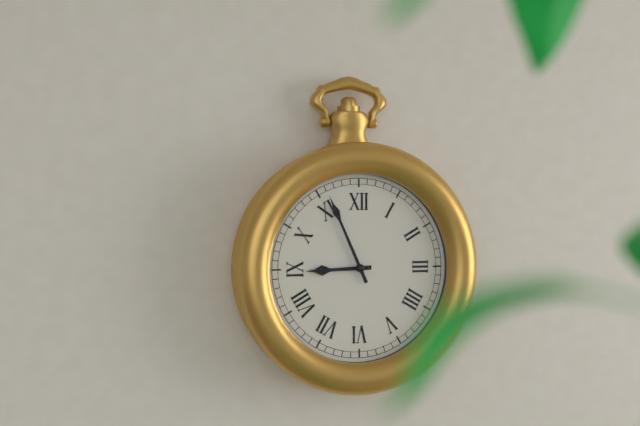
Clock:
8.56
